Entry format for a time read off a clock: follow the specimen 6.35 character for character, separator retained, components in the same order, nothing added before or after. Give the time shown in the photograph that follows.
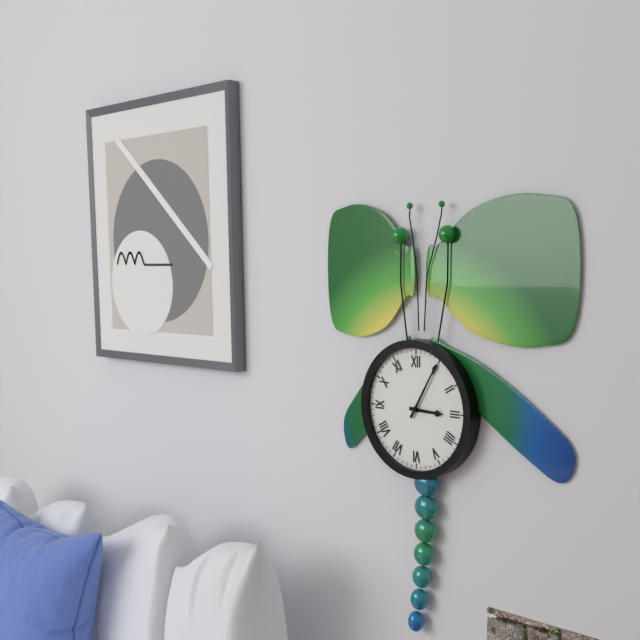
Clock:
3.05
